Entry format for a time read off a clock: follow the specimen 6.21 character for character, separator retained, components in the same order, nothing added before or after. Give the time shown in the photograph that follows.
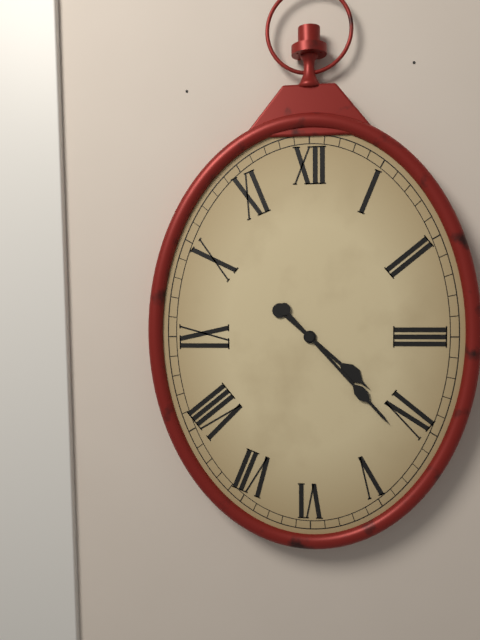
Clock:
4.23
